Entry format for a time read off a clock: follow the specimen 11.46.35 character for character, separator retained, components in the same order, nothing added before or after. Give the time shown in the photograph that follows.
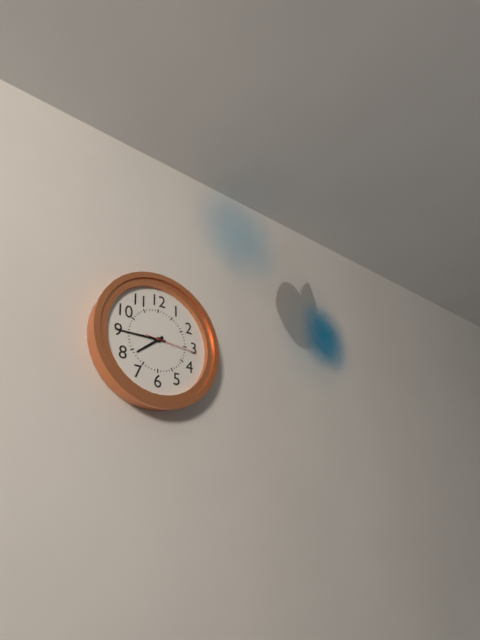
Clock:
7.45.16
